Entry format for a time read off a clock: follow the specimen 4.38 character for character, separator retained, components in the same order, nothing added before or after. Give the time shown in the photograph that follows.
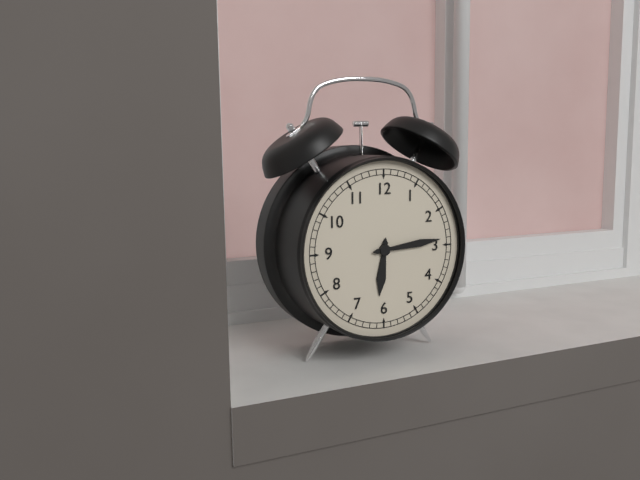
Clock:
6.14
